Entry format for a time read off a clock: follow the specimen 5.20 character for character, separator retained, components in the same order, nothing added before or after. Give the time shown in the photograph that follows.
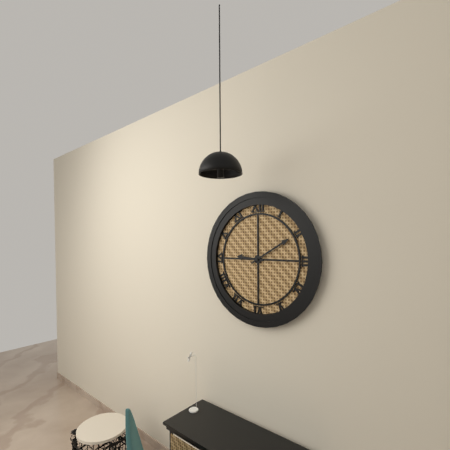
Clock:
9.10
